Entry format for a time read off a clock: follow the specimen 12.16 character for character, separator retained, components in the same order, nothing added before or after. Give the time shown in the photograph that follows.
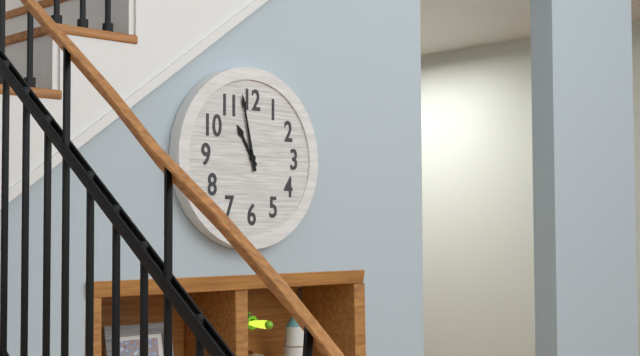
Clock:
10.58
